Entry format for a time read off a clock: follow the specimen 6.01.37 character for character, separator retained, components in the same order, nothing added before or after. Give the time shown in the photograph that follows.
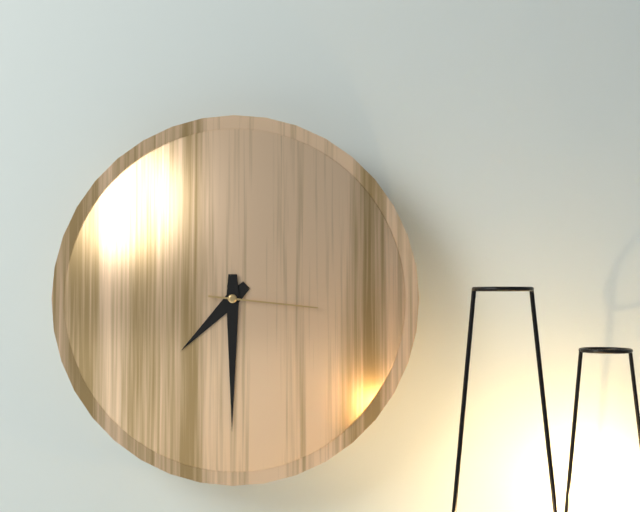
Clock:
7.30.16
